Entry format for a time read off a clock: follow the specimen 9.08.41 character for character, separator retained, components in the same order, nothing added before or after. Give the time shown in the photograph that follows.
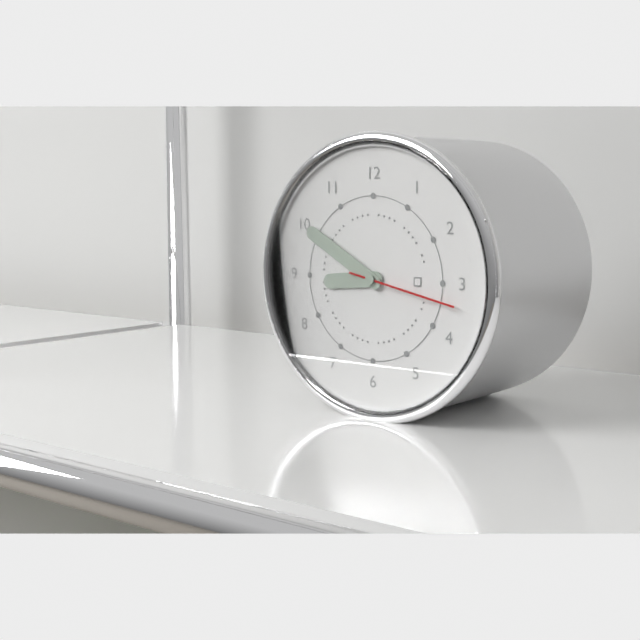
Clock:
8.50.17
